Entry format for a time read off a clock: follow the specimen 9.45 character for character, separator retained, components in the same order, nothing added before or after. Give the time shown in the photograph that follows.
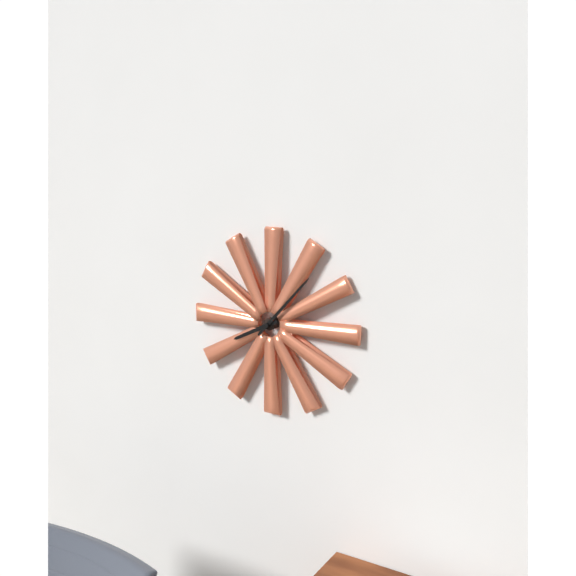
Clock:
8.07
